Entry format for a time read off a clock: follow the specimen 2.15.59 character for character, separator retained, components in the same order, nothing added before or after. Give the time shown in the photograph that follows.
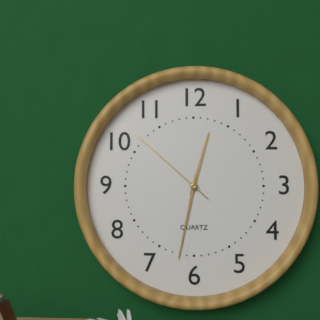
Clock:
12.32.52
